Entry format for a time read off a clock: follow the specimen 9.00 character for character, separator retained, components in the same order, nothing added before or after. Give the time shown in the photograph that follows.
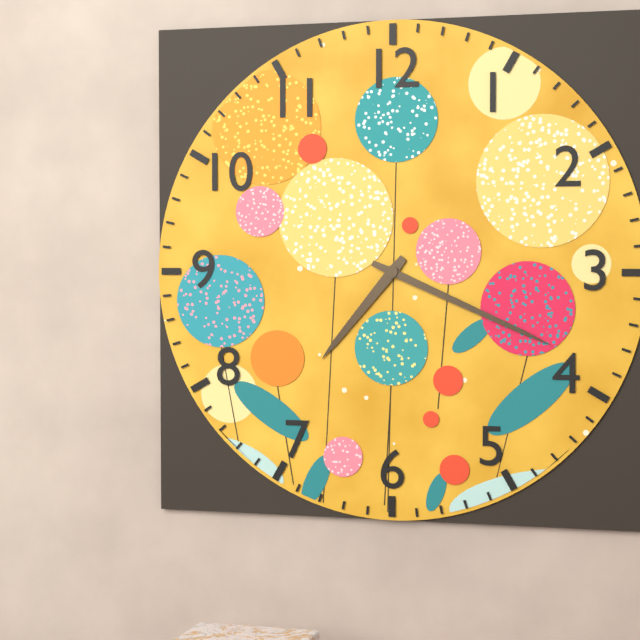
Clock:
7.19
